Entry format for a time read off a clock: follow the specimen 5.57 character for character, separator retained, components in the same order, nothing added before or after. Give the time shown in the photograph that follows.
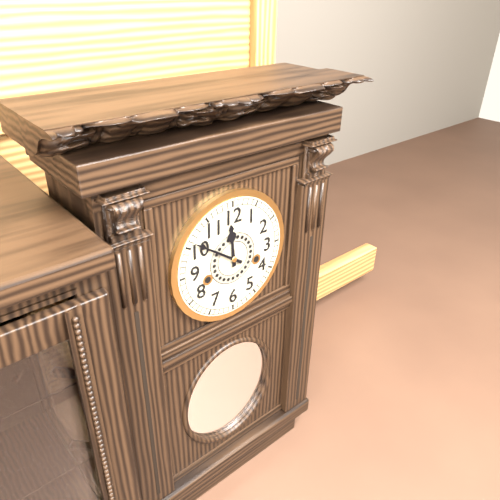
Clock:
11.51
